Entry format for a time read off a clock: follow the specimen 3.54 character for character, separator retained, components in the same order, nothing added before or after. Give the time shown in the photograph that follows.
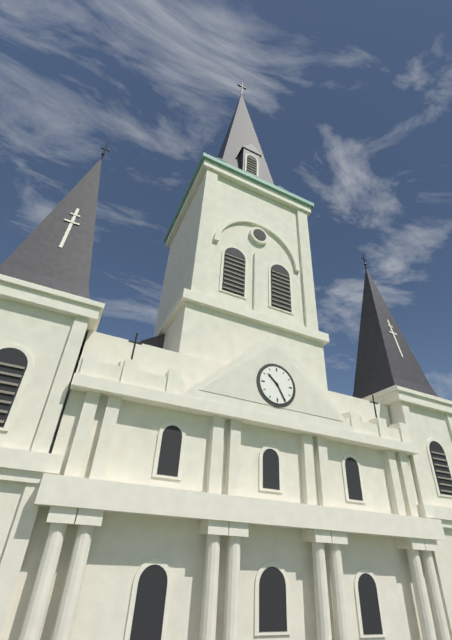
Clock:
10.25
